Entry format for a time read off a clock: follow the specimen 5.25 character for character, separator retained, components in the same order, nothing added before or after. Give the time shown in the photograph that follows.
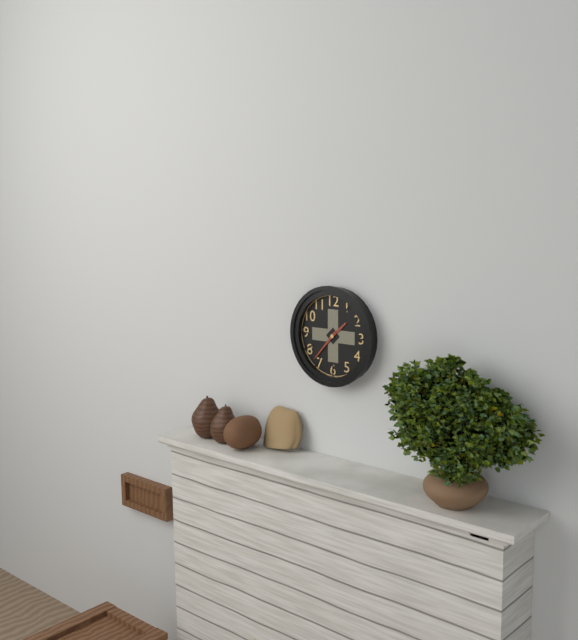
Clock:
1.37
